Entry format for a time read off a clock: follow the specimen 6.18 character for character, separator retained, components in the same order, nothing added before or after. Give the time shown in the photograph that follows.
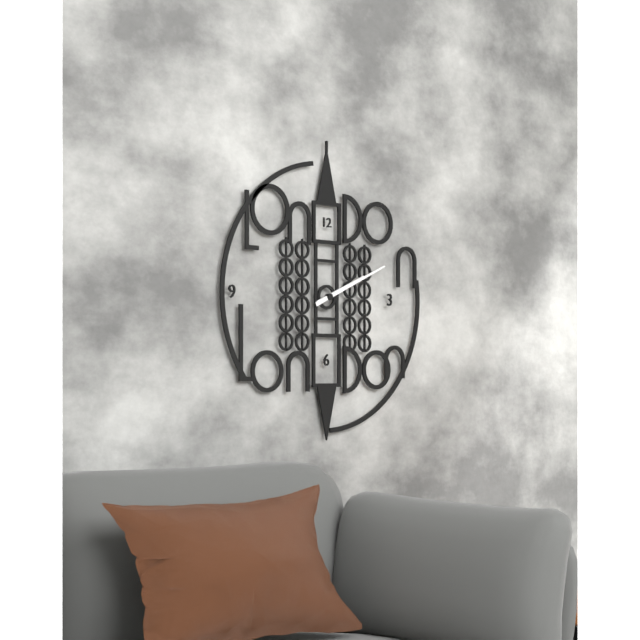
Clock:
2.11
